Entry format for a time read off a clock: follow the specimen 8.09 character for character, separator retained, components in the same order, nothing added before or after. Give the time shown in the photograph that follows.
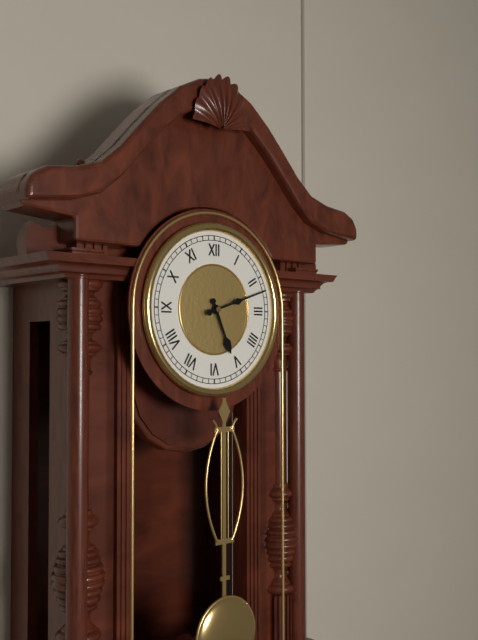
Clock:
5.12
